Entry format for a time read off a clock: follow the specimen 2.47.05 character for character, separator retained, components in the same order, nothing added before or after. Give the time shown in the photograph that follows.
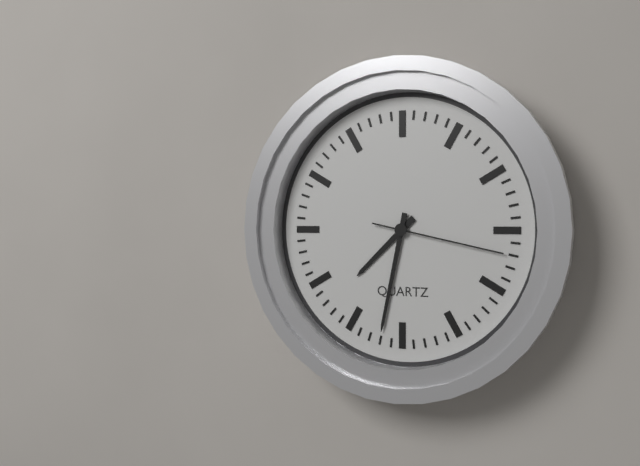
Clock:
7.32.17
